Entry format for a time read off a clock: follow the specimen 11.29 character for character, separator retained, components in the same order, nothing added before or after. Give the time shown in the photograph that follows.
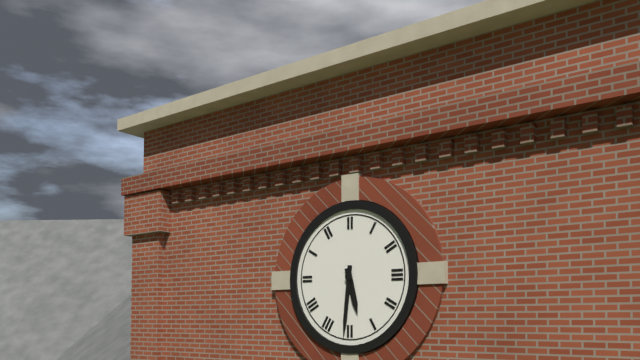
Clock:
5.31
